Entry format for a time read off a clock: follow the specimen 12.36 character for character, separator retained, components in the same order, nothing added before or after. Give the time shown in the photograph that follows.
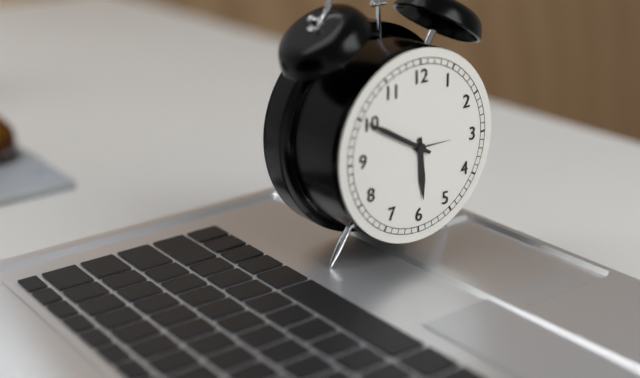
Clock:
5.50
